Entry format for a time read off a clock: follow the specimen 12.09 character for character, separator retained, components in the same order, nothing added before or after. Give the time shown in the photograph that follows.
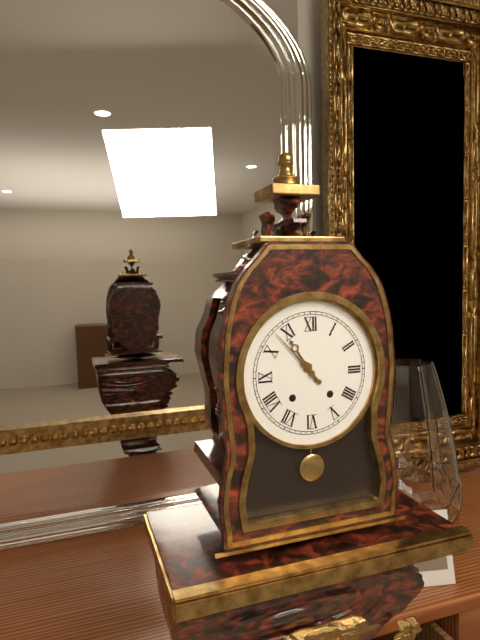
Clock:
10.53
